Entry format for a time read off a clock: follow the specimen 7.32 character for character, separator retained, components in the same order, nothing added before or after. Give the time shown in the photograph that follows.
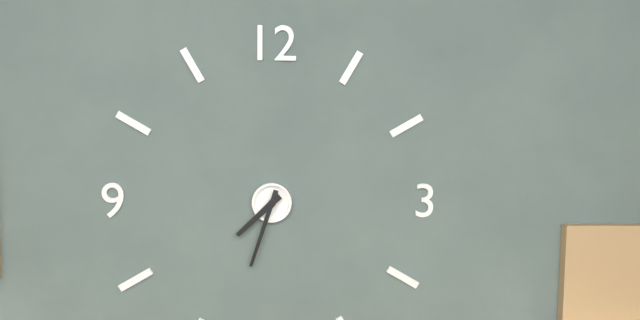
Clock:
7.33
